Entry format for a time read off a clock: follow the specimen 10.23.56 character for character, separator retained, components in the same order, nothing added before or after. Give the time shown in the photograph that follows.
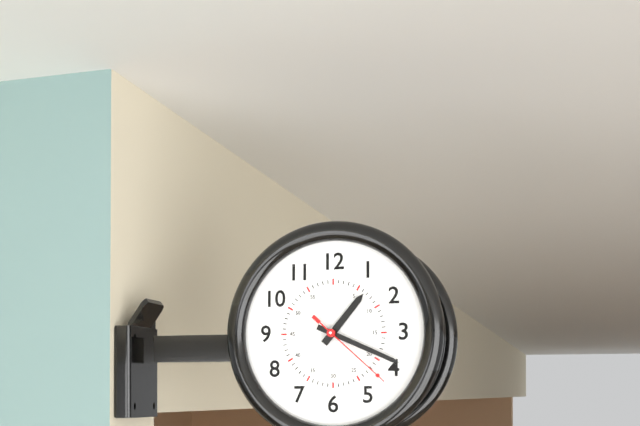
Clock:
1.19.22
